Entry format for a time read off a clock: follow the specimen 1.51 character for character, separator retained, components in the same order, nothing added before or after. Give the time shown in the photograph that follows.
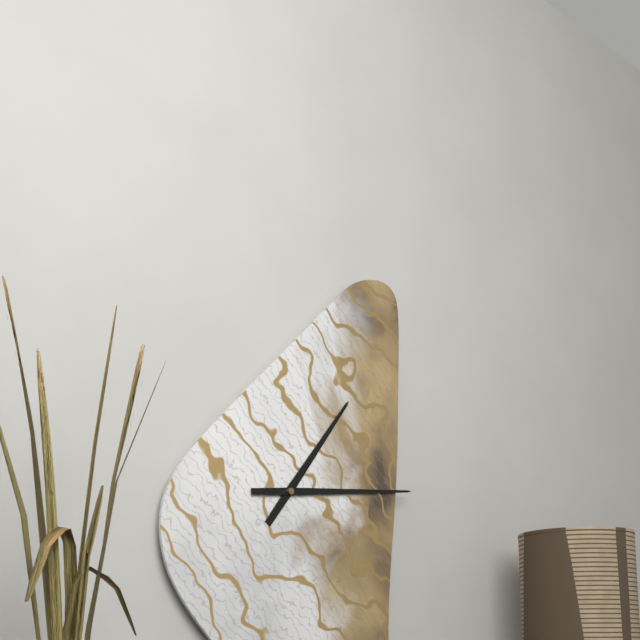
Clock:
1.14
